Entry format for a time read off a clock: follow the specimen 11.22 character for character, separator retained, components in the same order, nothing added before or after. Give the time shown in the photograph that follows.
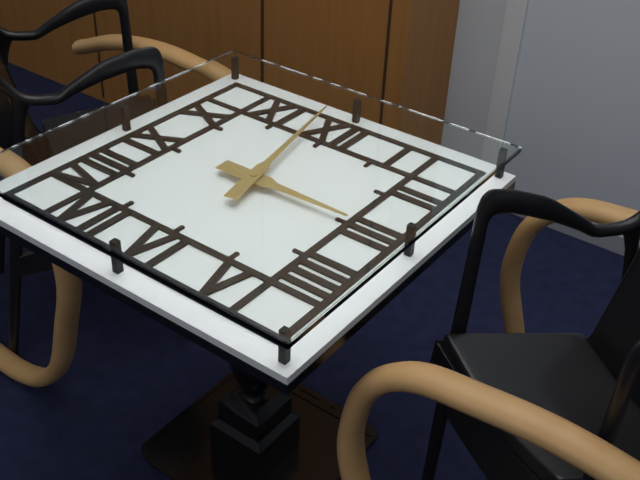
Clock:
2.58
